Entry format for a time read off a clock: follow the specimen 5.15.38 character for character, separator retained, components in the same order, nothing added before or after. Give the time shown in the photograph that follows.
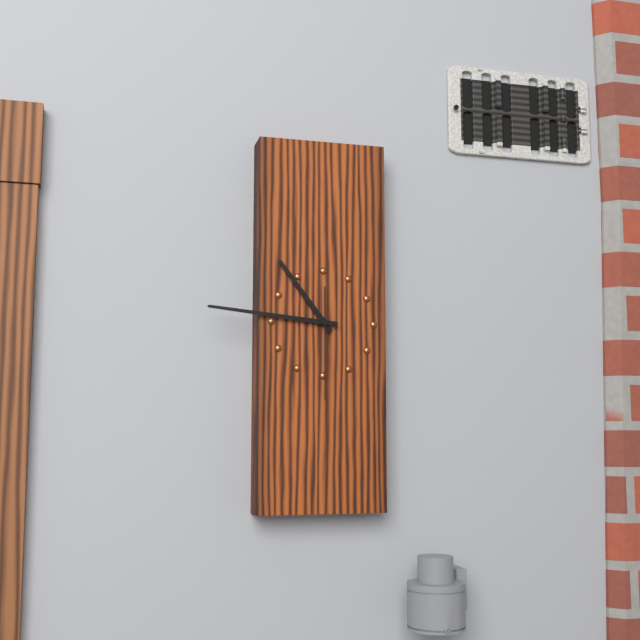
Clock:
10.46.30
